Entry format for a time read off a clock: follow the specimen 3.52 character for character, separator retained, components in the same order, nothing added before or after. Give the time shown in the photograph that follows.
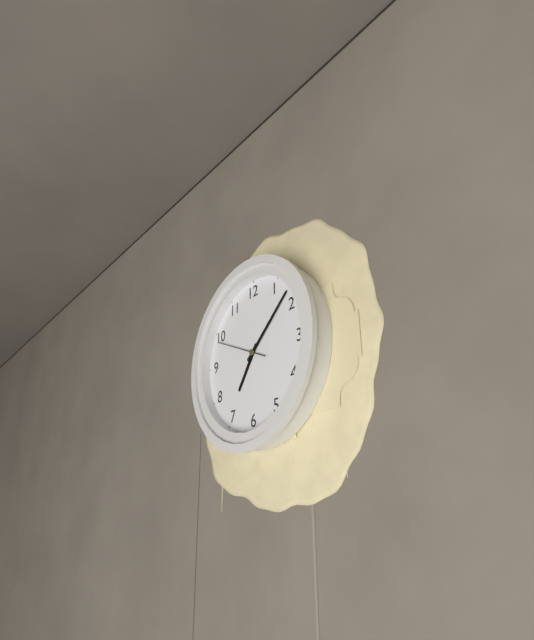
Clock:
7.08
